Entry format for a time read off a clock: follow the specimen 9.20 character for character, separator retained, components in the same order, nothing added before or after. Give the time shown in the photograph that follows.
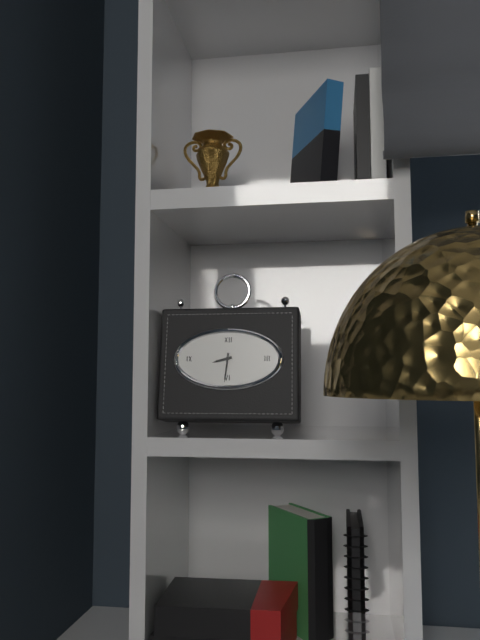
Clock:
8.31
